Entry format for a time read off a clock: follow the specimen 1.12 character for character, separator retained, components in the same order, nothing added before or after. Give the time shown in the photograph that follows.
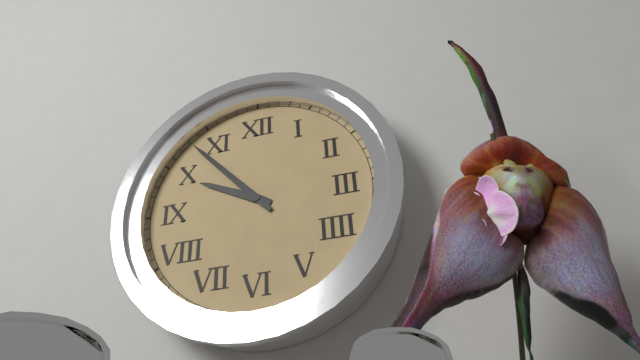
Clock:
9.53
